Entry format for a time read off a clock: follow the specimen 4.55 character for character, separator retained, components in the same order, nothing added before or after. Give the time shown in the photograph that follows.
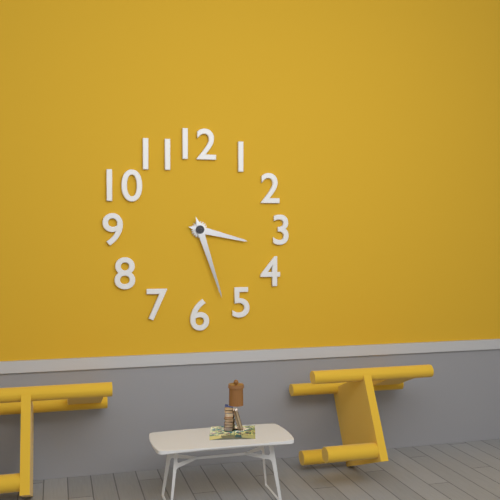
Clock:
3.27
